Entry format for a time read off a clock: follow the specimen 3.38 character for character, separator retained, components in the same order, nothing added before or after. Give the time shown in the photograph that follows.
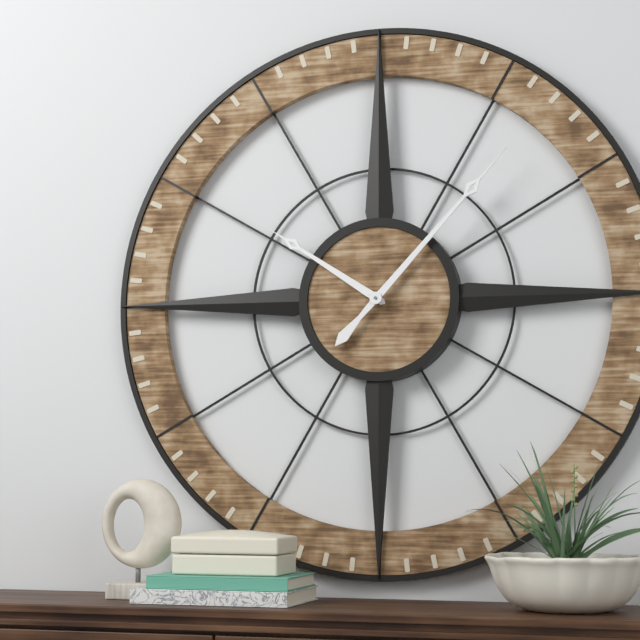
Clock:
10.07
